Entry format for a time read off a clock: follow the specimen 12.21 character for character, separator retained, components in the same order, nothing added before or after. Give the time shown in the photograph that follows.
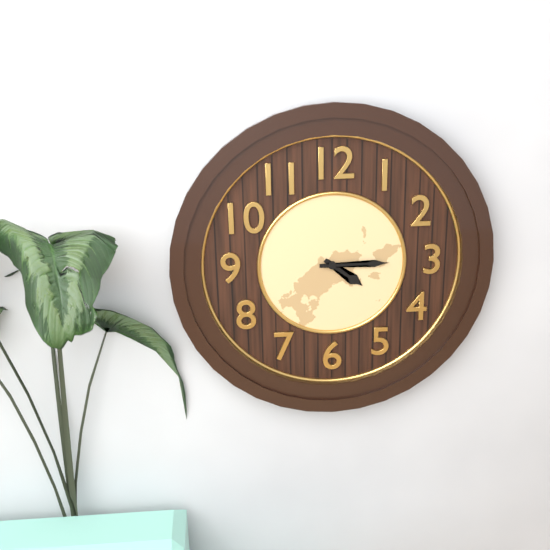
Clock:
4.15
